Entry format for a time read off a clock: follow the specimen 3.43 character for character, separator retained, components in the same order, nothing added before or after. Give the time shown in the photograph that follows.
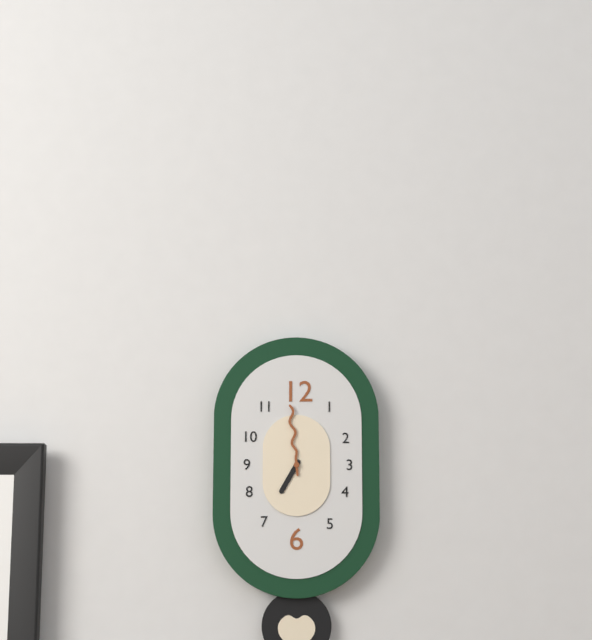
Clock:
6.59
